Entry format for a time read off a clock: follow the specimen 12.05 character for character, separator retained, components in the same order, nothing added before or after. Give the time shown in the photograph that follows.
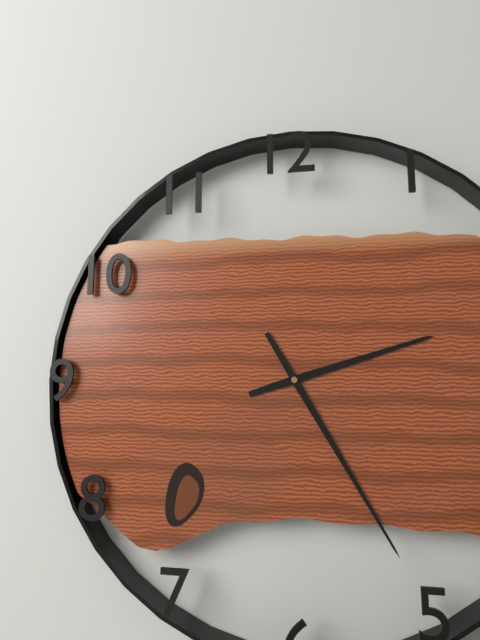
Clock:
2.25
